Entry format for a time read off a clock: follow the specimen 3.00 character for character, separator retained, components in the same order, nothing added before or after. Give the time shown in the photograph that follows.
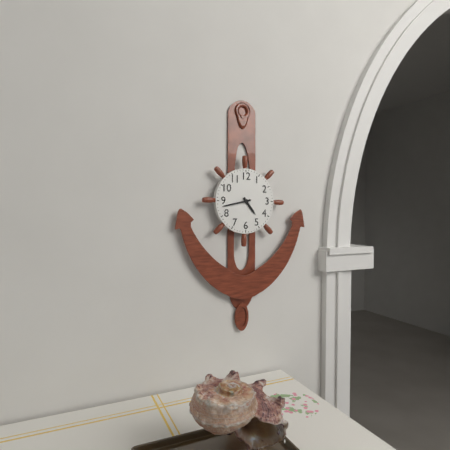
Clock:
4.43
